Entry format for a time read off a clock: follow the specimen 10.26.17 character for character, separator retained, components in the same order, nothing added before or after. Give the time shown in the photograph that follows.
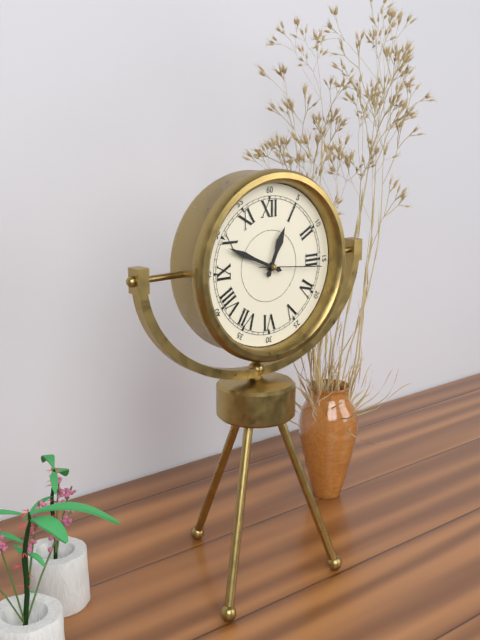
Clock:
12.49.16
